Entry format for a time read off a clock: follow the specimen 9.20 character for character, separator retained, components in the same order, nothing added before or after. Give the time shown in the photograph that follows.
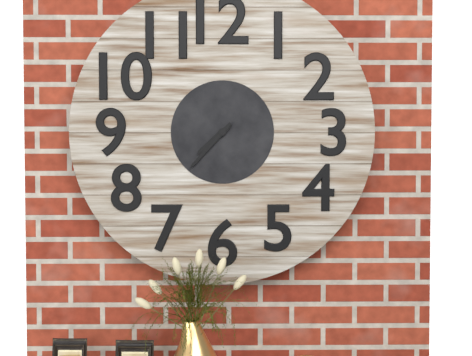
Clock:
7.37
